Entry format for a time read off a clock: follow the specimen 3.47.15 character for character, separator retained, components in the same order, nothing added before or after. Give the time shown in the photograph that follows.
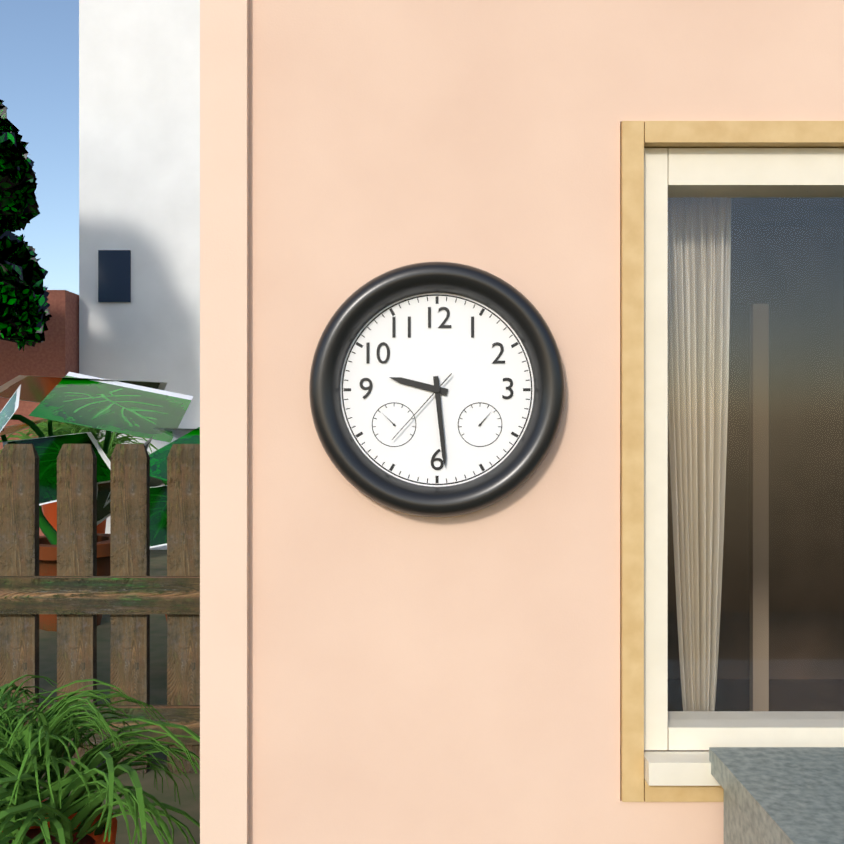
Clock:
9.29.37
